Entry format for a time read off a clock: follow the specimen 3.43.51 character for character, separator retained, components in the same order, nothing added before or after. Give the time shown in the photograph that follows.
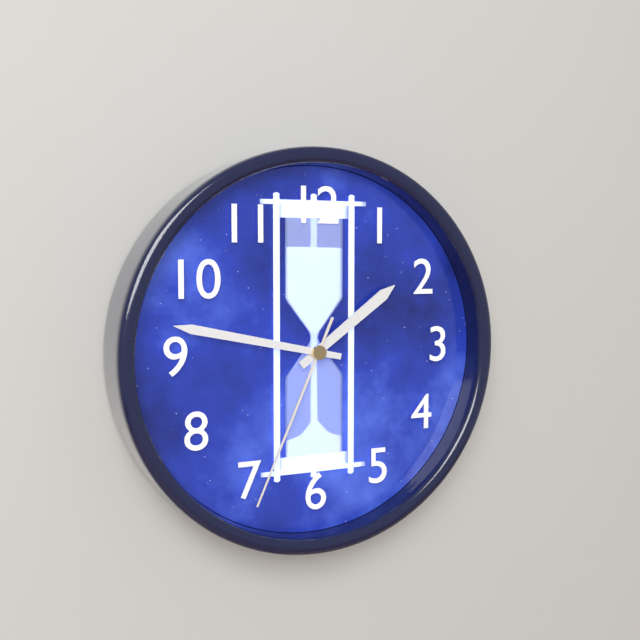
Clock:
1.47.34
